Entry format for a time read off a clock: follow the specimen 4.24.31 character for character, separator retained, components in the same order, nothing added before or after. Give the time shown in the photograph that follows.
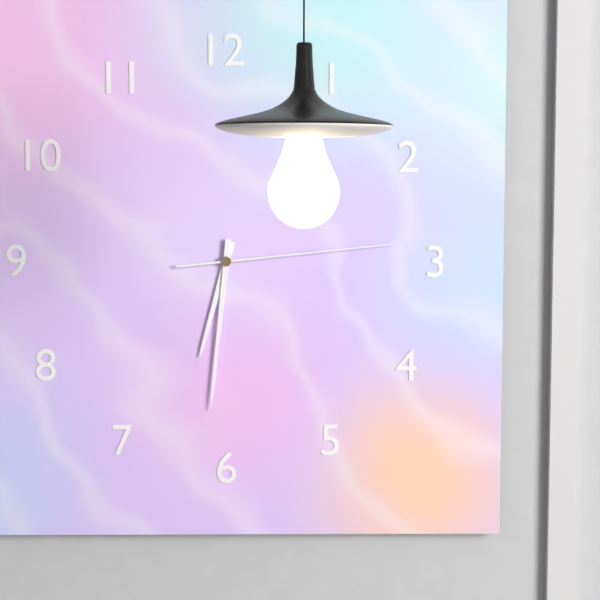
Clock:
6.31.14
